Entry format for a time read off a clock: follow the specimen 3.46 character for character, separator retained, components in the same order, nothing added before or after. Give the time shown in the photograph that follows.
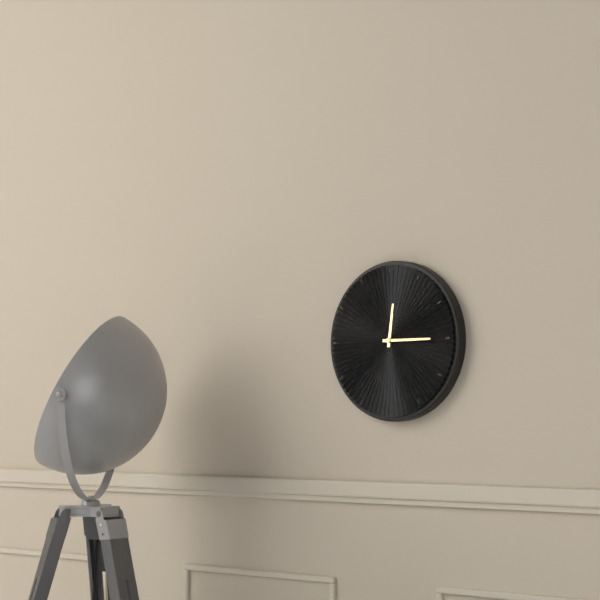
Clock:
12.15
